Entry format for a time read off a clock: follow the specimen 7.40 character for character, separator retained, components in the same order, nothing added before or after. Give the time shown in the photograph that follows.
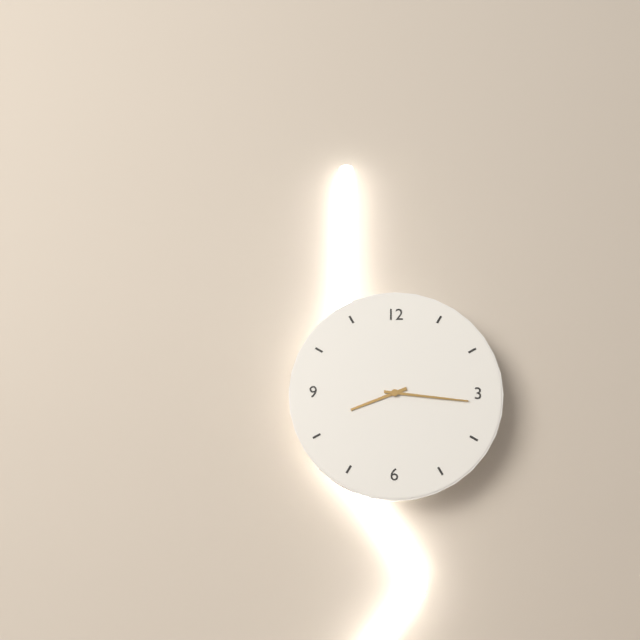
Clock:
8.16
